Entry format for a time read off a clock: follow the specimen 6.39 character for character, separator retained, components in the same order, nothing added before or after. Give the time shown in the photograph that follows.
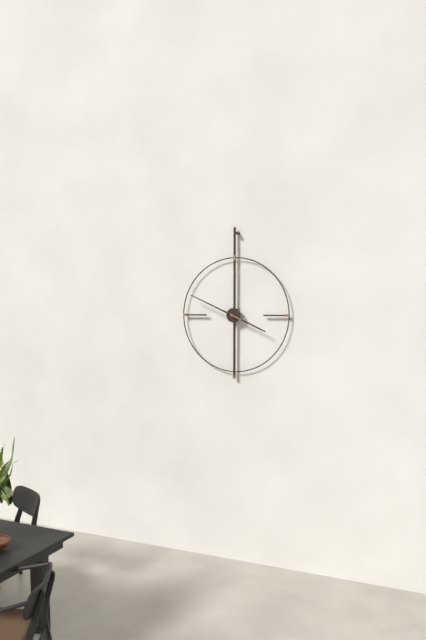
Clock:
3.49
